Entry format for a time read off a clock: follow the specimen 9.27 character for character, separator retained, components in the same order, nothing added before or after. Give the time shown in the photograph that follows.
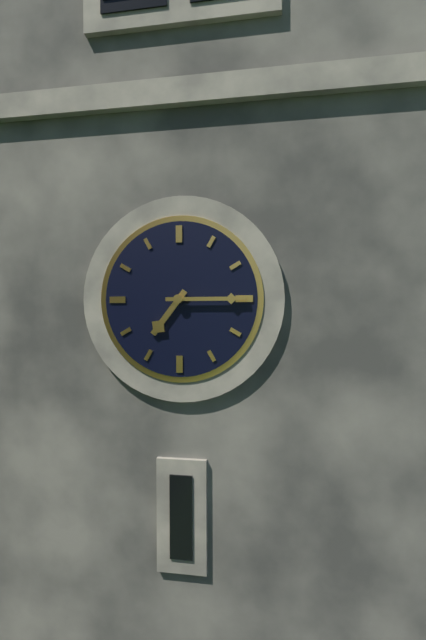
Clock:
7.15
